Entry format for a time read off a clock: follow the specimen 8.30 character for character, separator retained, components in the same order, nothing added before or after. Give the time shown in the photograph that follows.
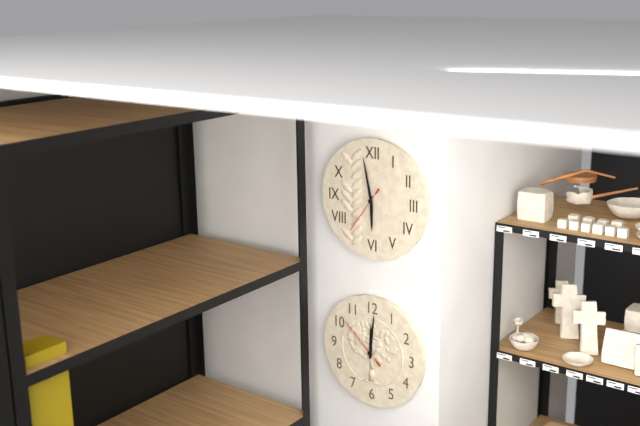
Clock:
5.58
